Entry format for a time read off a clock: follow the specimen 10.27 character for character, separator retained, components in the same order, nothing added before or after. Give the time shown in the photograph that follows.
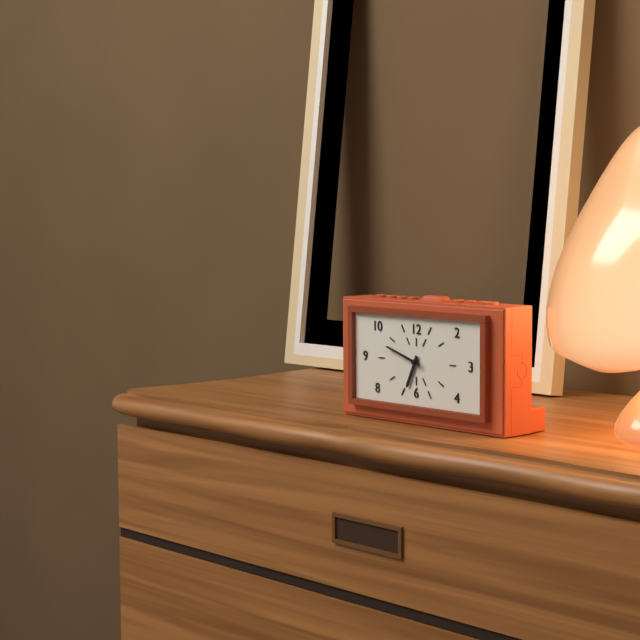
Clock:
6.48
